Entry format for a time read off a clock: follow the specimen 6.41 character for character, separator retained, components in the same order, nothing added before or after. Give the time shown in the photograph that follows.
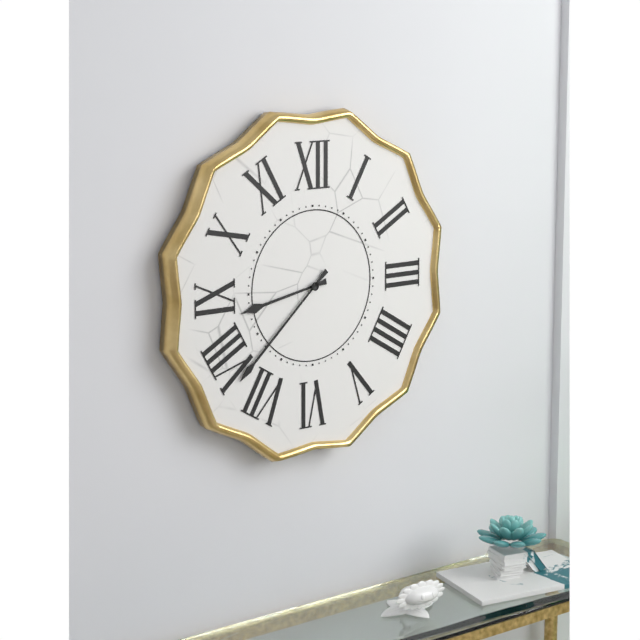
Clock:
8.38
